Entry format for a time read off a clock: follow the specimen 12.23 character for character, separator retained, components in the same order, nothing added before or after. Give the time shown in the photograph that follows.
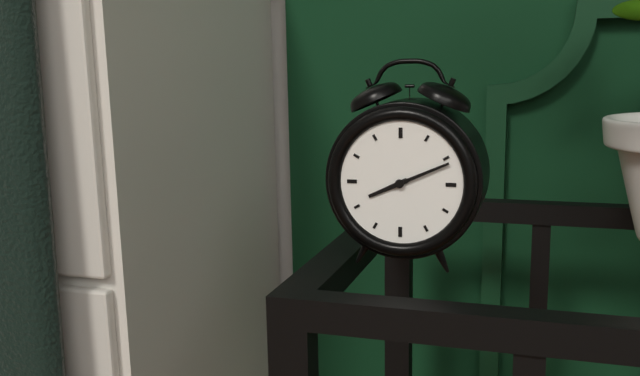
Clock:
8.11
